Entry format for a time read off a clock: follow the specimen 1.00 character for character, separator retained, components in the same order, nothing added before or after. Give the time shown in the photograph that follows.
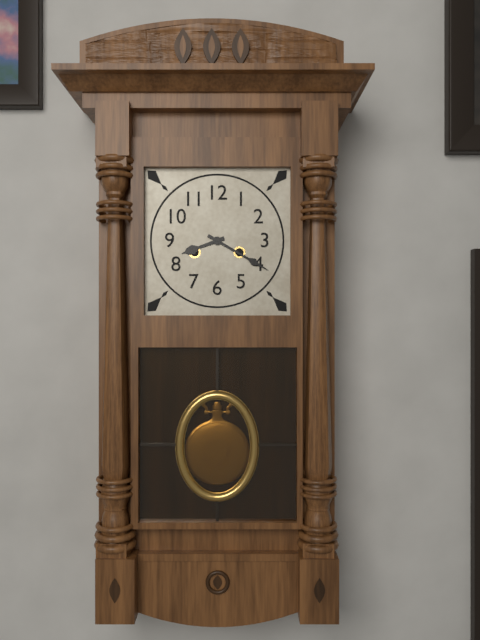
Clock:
8.20
